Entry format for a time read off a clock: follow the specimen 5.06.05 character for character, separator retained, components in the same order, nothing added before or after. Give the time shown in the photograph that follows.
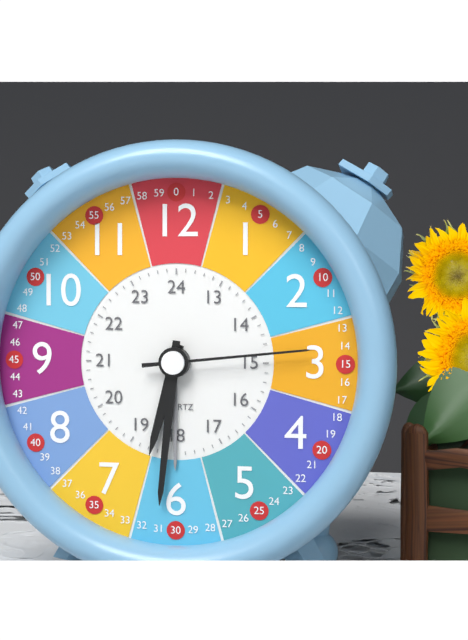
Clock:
6.31.14
